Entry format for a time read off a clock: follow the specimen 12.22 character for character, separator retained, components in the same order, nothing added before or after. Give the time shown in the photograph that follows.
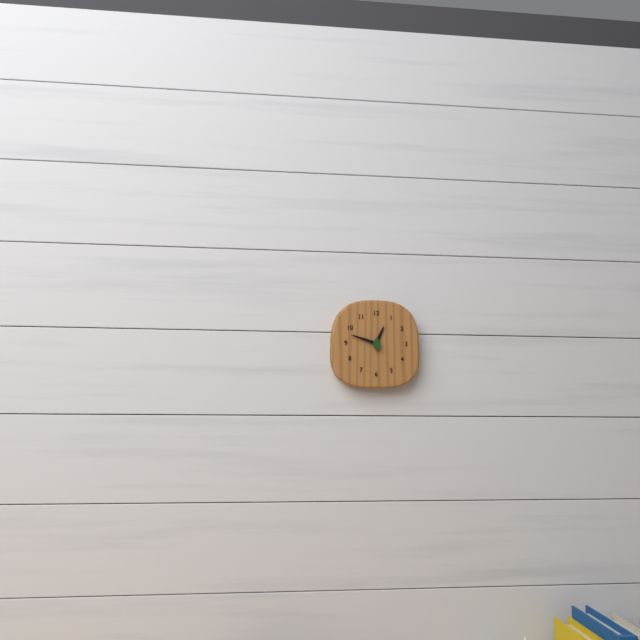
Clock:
12.48
